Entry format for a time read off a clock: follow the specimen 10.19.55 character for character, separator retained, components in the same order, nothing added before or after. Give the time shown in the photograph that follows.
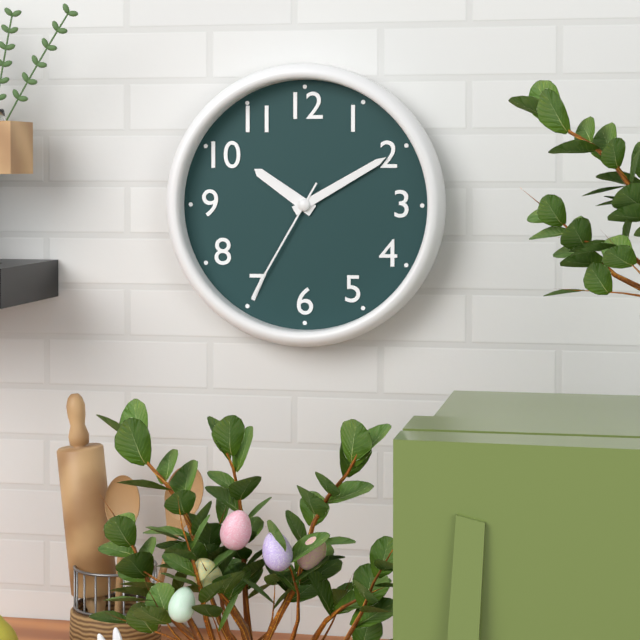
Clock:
10.10.35
